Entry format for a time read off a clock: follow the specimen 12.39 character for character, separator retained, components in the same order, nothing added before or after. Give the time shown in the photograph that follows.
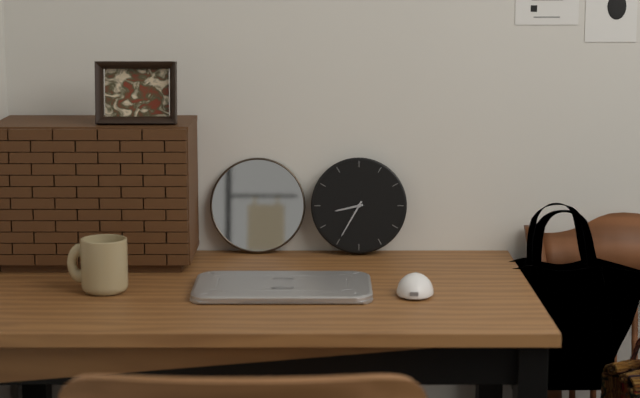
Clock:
8.35
